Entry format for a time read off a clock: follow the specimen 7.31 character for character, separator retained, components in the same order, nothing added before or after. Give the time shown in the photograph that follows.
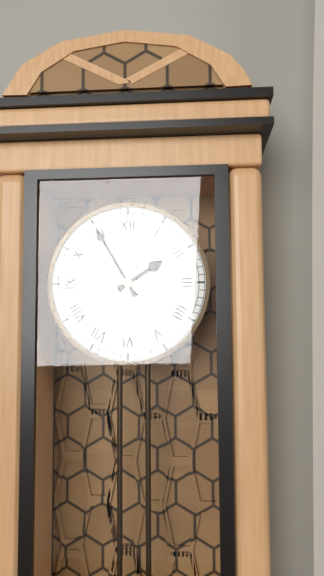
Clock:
1.55
